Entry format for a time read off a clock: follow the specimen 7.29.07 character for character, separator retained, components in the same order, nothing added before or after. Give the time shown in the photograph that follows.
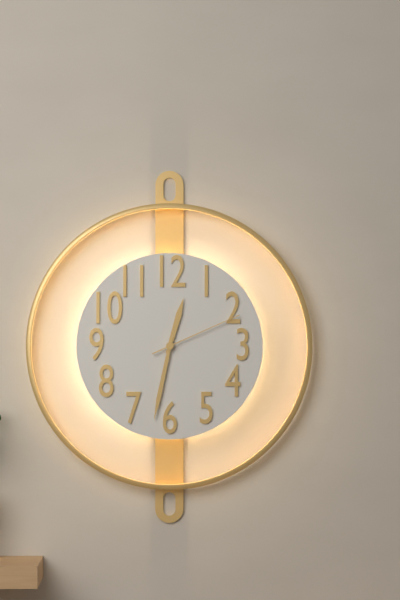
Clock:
12.32.11
